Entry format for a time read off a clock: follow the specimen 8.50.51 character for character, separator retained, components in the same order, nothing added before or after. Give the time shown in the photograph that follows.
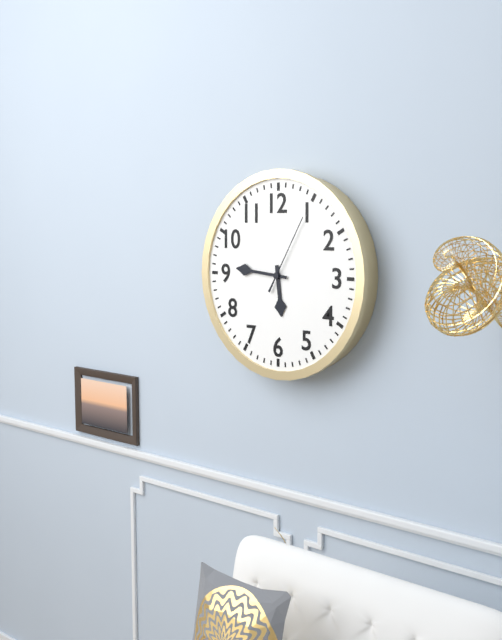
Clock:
5.46.05
